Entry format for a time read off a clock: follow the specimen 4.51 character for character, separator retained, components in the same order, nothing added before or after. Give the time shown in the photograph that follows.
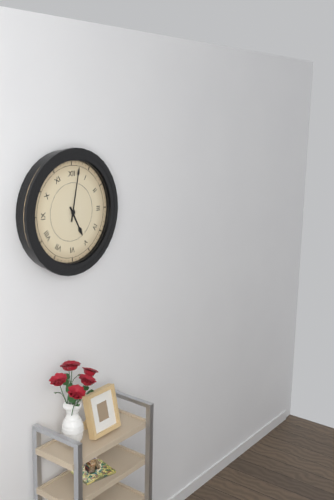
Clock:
5.02
